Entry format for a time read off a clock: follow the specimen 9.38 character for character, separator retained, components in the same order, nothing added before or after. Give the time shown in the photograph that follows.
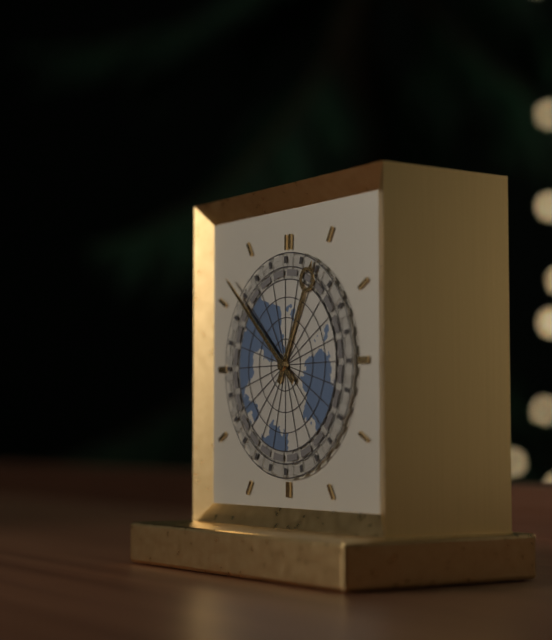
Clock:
12.52
